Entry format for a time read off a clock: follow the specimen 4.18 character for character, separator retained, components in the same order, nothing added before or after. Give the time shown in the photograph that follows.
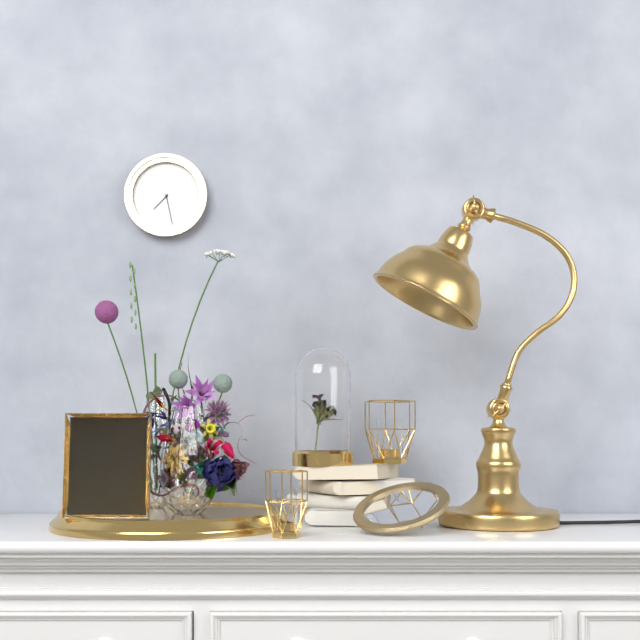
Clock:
7.28
